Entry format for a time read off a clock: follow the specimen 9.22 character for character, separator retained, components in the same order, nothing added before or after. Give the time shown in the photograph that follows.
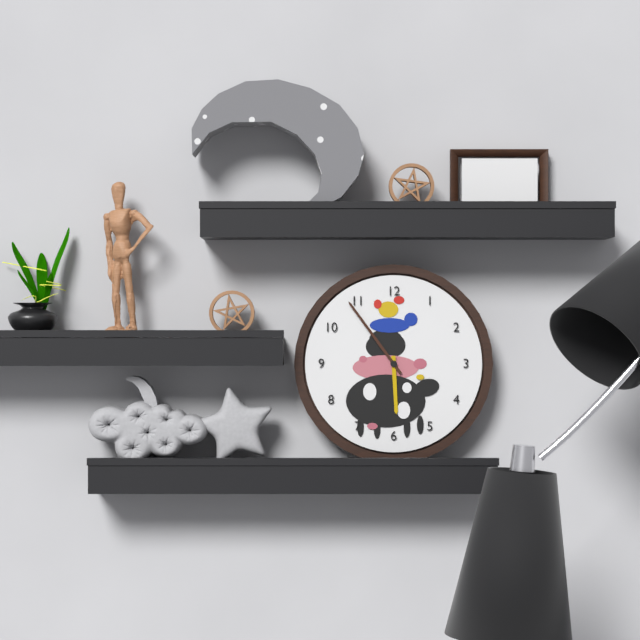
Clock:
5.54
